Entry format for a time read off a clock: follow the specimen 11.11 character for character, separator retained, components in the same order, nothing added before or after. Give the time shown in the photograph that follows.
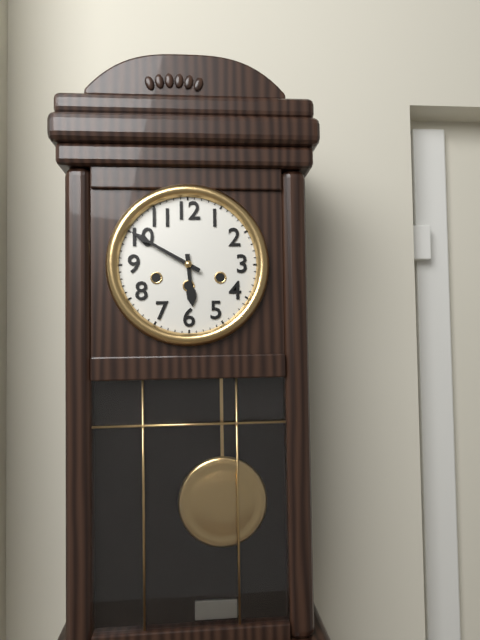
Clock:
5.50
